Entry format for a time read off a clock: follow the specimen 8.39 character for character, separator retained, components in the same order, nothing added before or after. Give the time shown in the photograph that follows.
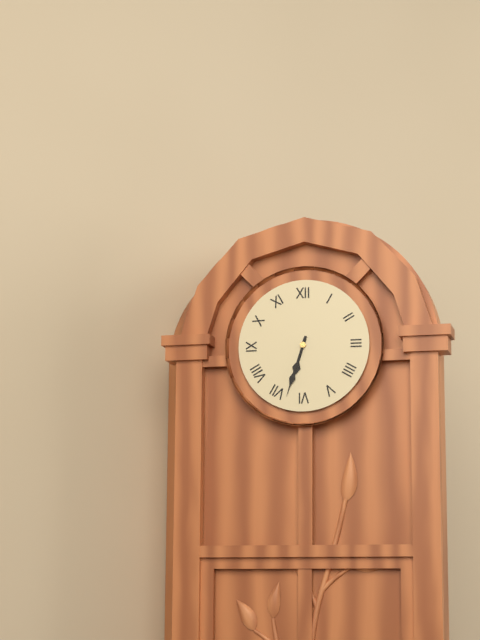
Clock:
6.33
